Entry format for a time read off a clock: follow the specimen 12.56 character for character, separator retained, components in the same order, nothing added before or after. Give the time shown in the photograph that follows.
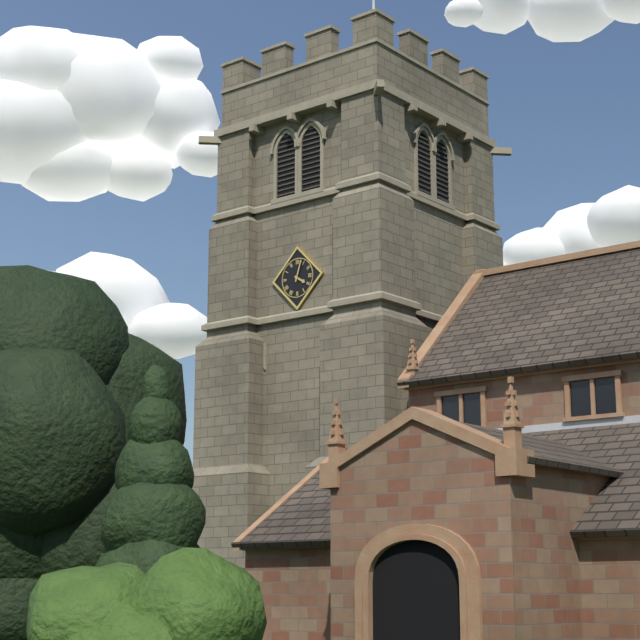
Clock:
4.03
